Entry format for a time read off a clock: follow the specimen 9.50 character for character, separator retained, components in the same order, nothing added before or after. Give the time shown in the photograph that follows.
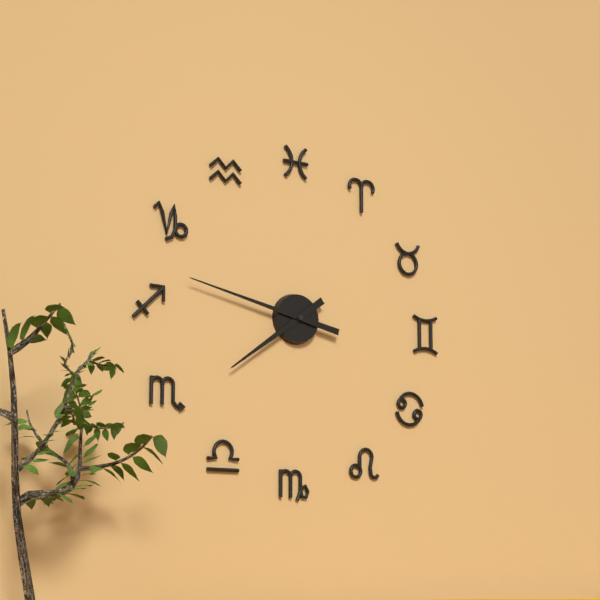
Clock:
7.47
